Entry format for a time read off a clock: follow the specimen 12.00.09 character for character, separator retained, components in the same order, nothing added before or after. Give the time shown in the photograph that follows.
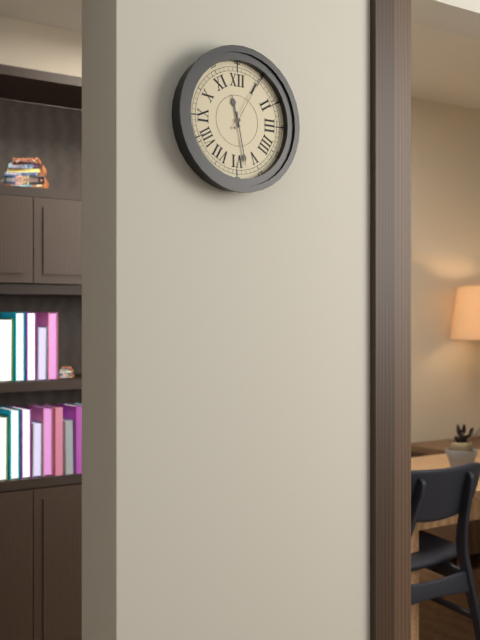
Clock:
11.28.05
